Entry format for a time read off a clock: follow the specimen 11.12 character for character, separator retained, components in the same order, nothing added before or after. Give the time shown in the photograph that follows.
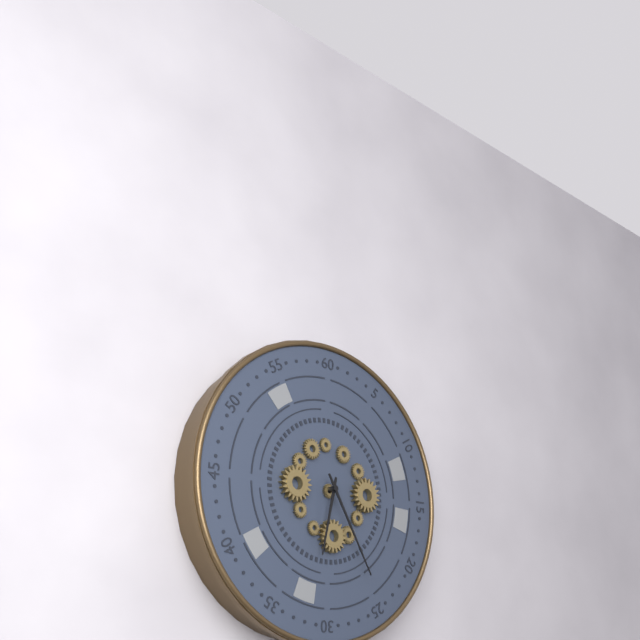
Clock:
6.25
